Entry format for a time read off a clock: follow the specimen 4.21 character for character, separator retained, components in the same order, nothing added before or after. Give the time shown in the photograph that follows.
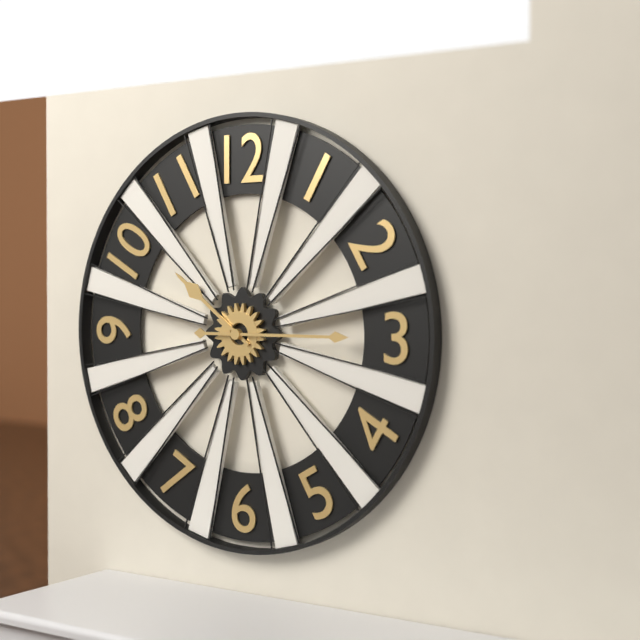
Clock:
10.15
